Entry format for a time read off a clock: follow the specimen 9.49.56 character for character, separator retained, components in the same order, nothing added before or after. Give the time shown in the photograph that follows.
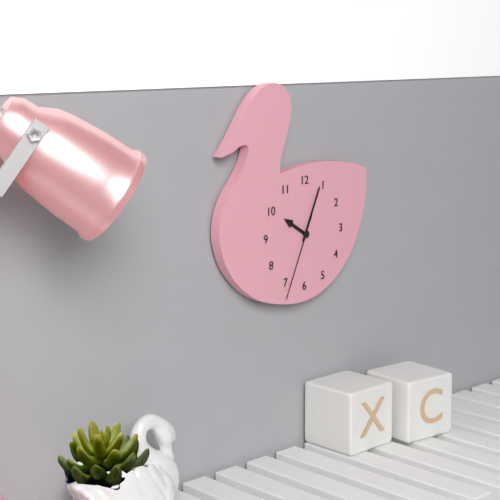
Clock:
10.04.34
